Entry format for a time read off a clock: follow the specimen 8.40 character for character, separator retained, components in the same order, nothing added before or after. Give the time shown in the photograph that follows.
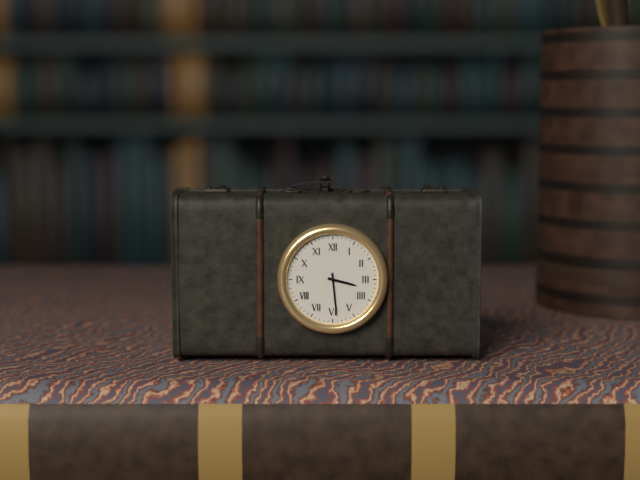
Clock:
3.29
